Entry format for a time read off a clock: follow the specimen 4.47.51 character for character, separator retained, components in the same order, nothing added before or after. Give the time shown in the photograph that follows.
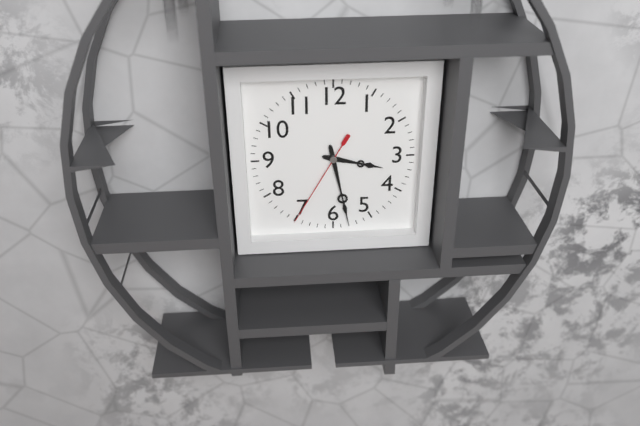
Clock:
3.28.35
